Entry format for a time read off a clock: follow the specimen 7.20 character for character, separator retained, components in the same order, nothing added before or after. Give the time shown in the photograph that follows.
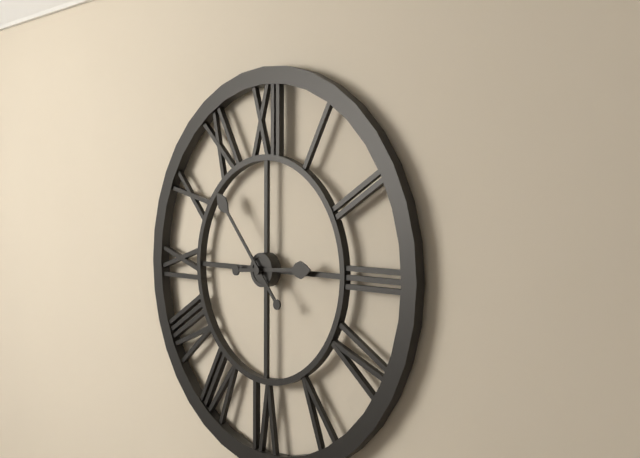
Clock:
2.53
